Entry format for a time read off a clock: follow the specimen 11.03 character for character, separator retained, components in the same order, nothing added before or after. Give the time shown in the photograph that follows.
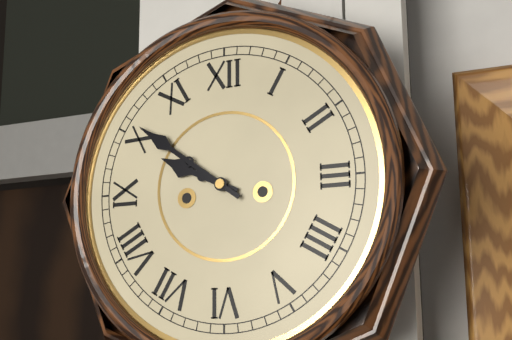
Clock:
9.51
